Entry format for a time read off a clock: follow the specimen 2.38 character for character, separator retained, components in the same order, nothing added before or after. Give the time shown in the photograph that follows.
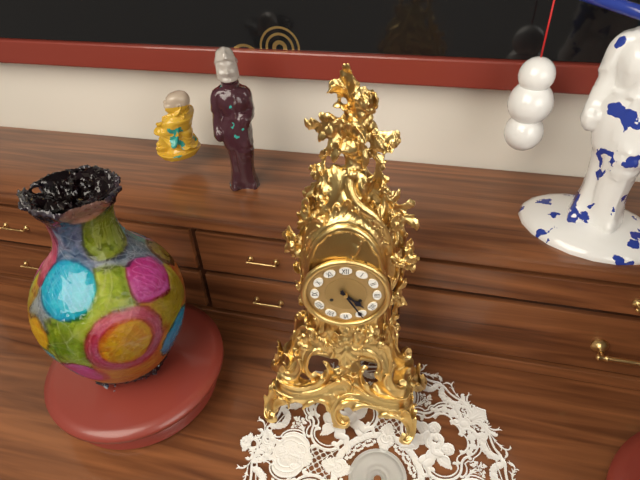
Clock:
4.25
